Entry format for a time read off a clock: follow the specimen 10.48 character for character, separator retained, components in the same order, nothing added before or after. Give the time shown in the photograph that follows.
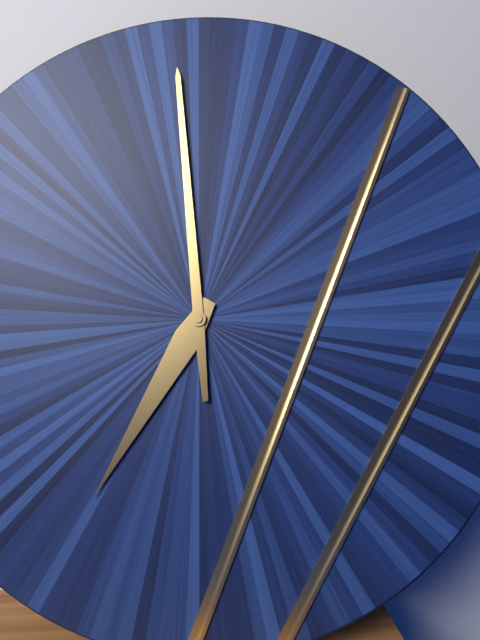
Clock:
6.59
